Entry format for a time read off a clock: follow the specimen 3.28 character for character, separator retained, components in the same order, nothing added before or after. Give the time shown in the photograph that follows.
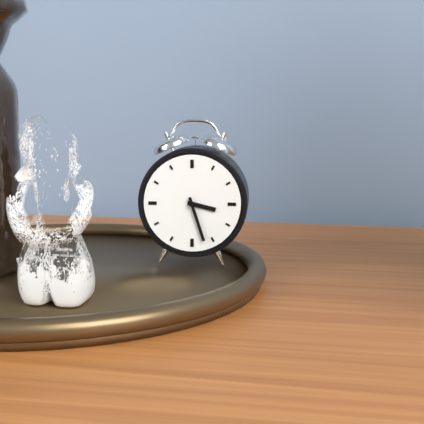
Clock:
3.27
